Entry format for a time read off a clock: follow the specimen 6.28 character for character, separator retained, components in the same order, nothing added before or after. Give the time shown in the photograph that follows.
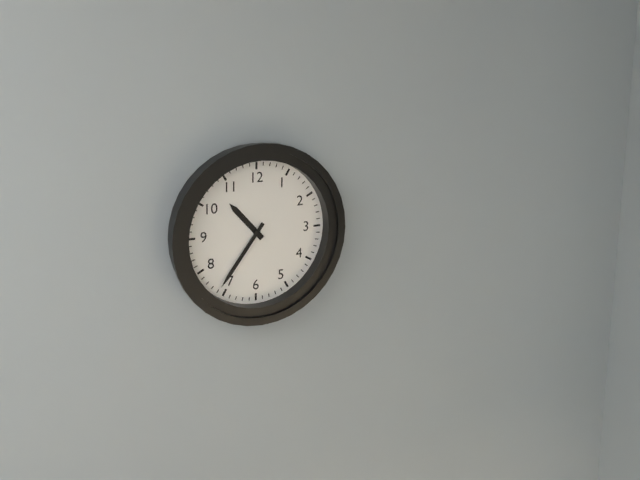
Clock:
10.36
